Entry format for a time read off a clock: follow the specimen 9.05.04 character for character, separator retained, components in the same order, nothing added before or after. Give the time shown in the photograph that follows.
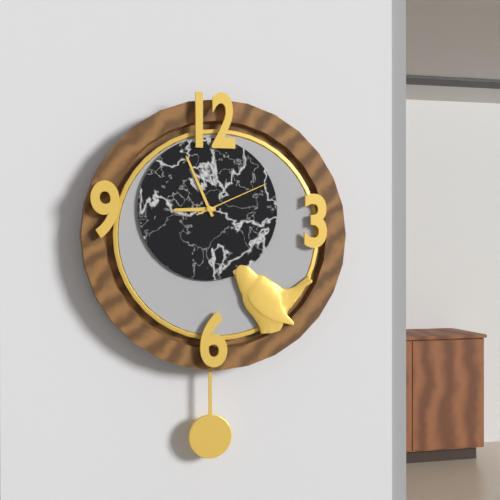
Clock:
8.56.11
